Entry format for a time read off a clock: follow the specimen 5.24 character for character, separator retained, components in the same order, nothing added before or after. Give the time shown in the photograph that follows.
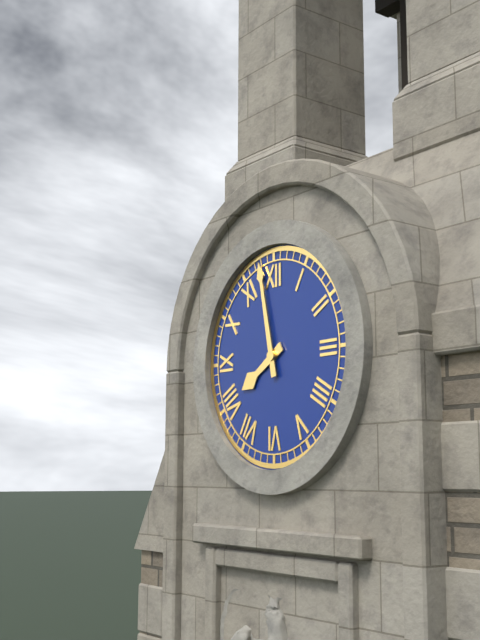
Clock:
7.58
